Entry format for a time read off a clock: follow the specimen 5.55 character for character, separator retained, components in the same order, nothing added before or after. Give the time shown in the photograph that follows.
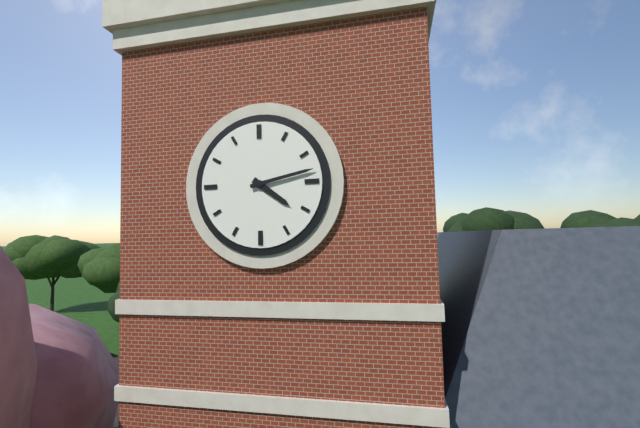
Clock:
4.13
